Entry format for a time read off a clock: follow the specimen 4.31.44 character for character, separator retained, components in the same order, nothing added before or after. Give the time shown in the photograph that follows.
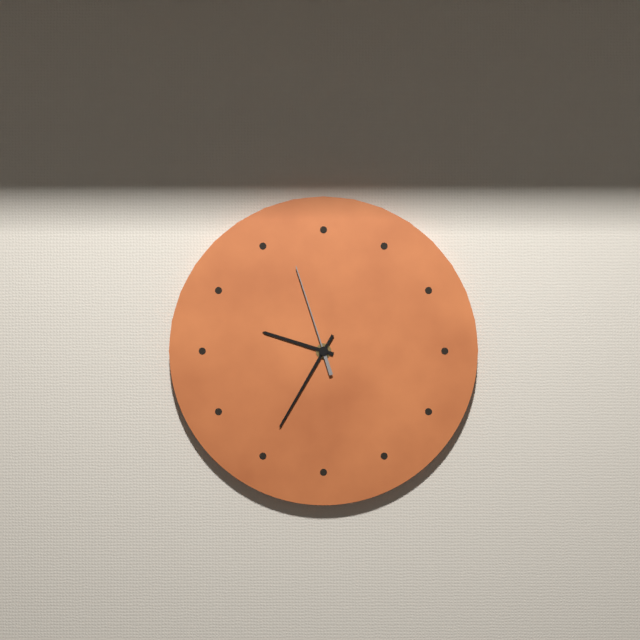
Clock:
9.35.57
